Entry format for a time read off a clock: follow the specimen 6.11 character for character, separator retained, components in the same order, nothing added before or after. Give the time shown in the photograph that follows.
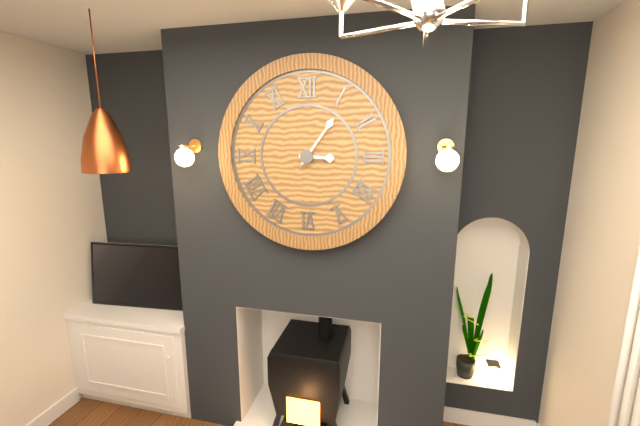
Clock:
3.06
